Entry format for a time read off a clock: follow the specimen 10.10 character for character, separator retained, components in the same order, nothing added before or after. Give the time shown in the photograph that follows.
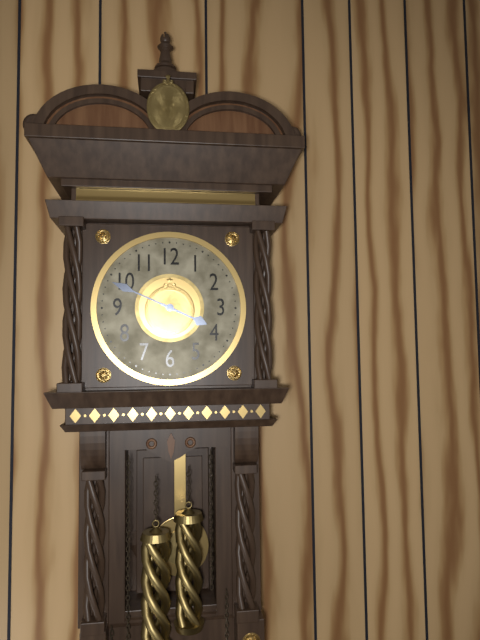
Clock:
3.49
